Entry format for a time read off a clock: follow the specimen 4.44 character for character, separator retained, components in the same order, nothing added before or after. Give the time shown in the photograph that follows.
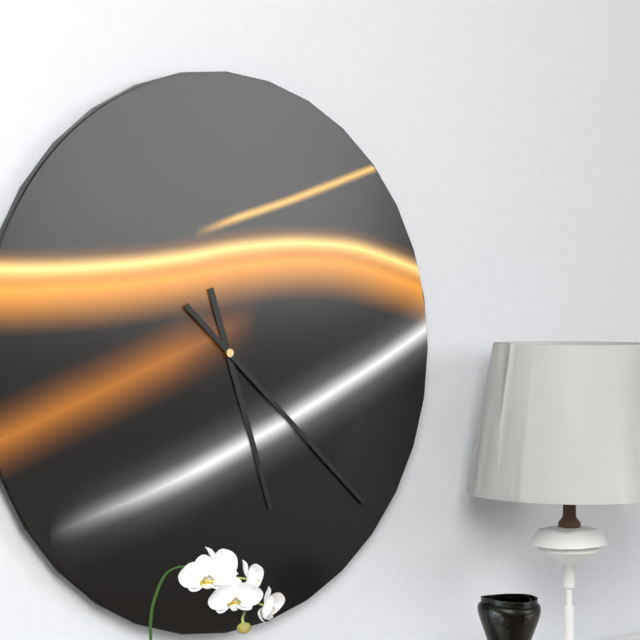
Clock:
5.22
